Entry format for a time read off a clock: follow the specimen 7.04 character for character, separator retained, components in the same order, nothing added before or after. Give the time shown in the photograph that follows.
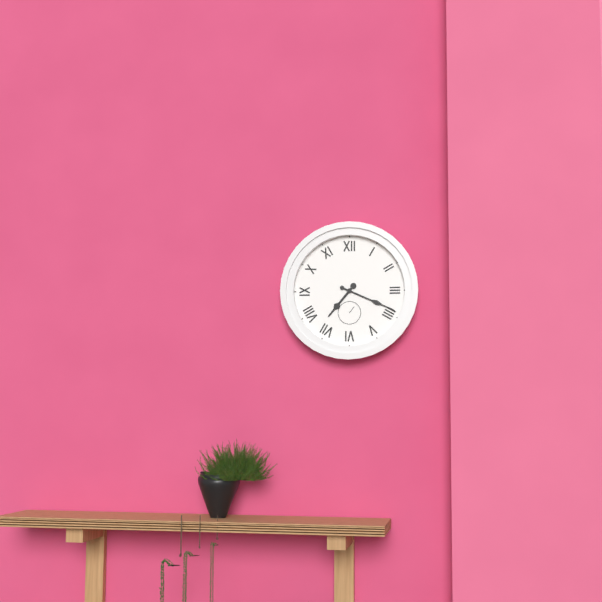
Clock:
7.19
